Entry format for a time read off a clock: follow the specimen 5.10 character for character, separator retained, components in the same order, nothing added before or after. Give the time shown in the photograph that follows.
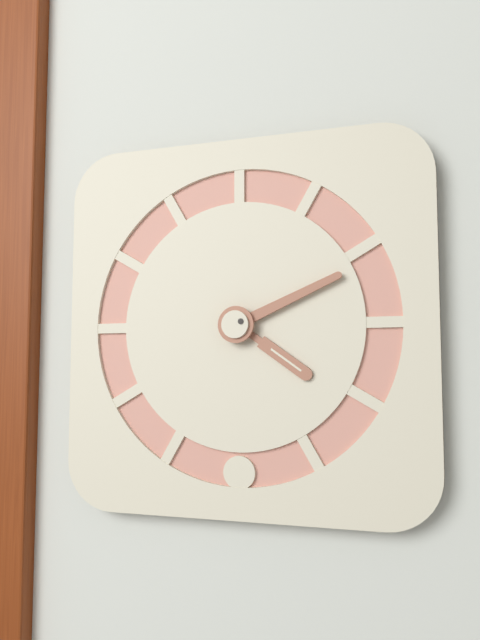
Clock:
4.11
